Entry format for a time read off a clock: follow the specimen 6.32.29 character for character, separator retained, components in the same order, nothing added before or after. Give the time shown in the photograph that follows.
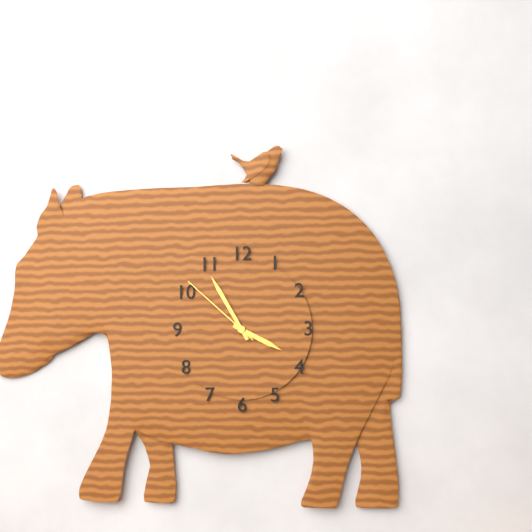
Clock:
3.55.52
